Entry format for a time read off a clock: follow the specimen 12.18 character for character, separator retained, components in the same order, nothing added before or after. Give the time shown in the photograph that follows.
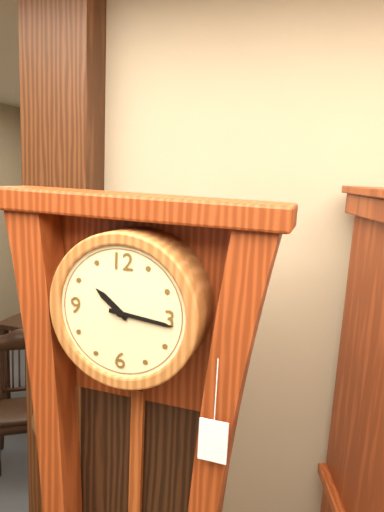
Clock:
10.16
